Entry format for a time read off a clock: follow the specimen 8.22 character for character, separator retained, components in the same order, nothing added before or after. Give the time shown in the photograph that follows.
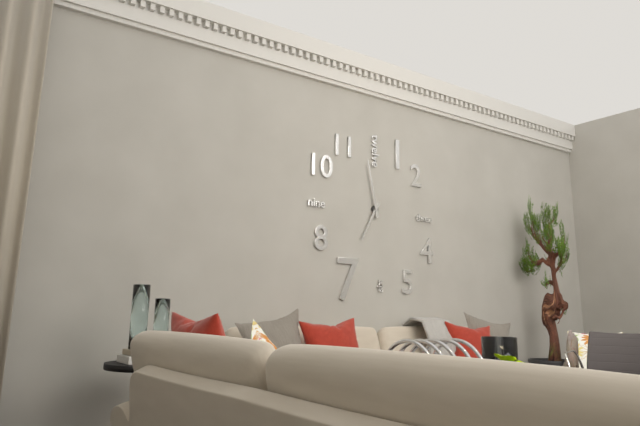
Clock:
6.58
